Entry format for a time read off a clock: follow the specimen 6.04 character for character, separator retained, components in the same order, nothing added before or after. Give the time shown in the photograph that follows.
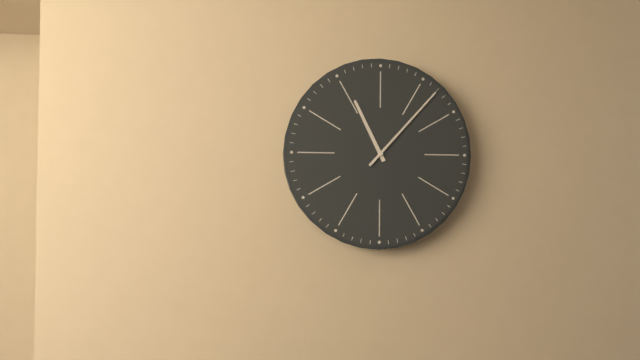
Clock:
11.07
